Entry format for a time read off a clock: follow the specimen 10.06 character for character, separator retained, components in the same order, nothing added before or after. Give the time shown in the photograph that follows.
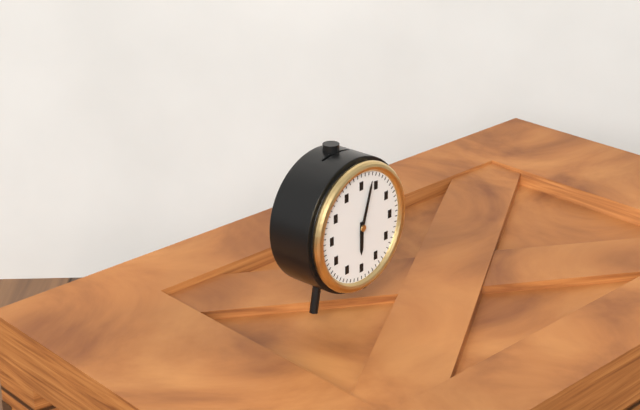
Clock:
6.03
